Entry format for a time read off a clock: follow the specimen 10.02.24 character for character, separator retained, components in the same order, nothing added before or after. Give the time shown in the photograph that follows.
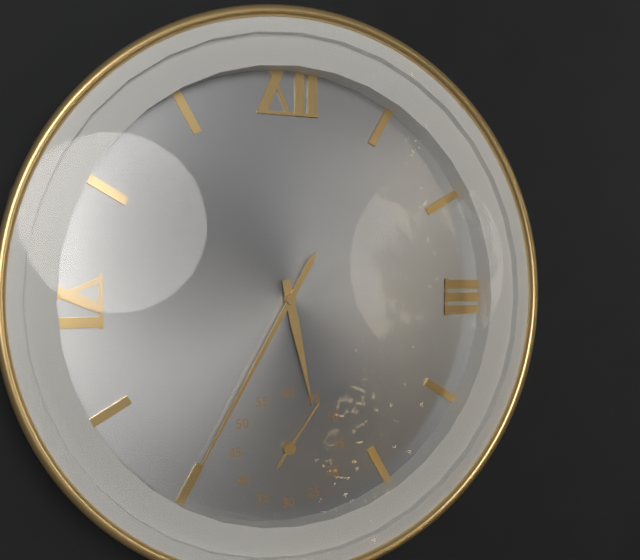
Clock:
5.35.06
